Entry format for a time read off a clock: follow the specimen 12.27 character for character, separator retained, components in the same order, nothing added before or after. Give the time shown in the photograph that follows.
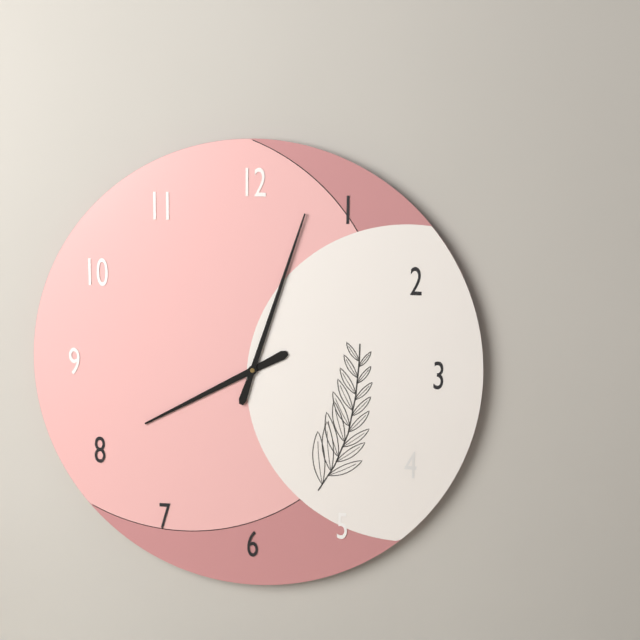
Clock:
8.03
